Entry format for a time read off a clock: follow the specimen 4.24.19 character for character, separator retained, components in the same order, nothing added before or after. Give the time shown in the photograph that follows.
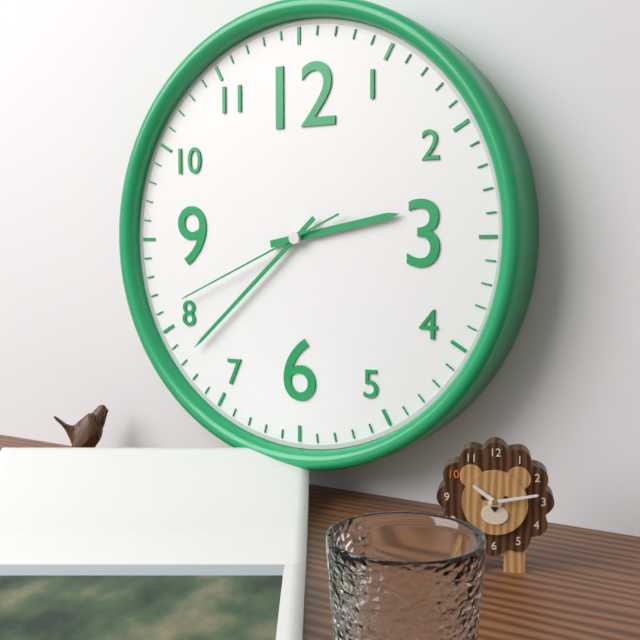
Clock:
2.38.41
